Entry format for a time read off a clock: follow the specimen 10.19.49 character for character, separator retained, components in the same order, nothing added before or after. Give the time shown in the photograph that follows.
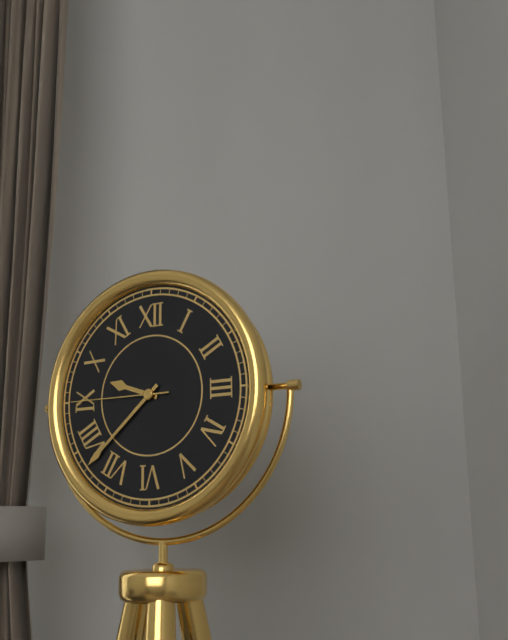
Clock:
9.38.45
